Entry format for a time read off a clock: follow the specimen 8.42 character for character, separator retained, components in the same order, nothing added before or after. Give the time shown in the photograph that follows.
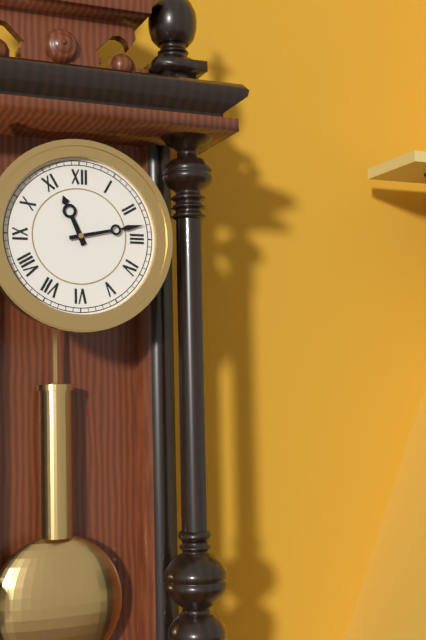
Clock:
11.13
